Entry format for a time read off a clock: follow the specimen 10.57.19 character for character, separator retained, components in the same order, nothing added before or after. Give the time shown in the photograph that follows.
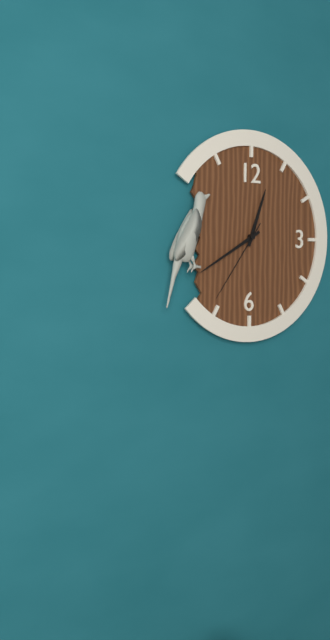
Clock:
12.40.36
